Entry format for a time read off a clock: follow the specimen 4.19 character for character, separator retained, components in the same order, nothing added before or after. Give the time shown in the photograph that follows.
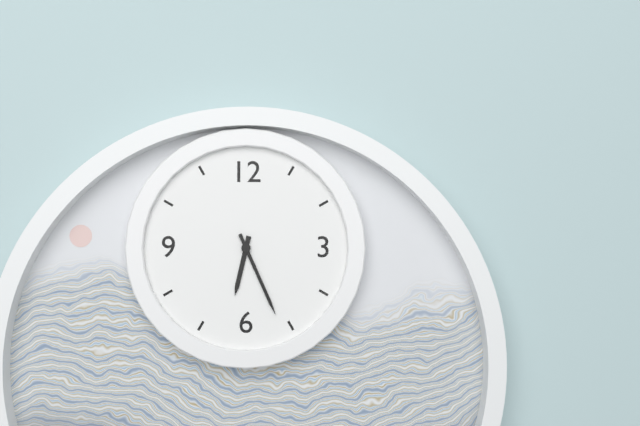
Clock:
6.26
